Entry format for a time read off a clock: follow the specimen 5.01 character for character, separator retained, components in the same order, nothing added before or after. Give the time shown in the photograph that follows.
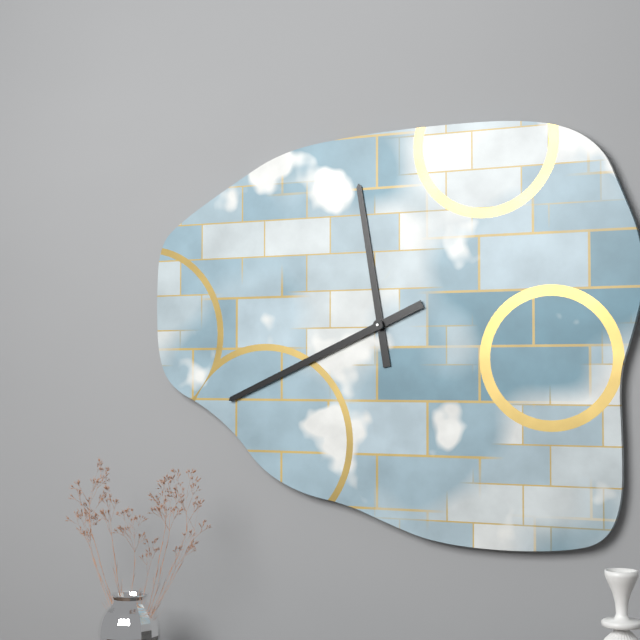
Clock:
11.41
